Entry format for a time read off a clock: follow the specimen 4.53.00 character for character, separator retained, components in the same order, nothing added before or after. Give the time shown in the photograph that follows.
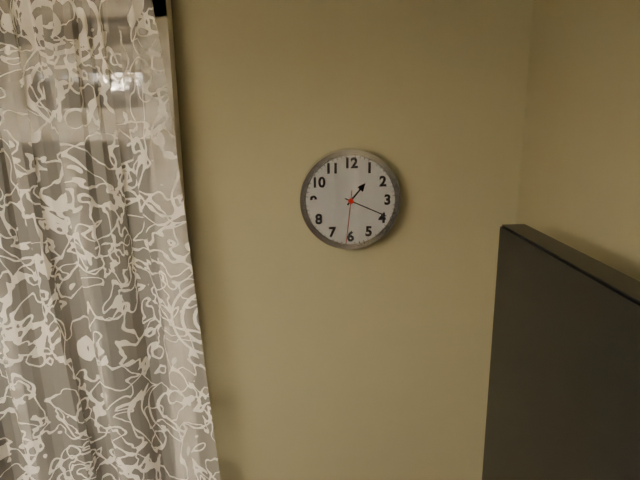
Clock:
1.19.31
